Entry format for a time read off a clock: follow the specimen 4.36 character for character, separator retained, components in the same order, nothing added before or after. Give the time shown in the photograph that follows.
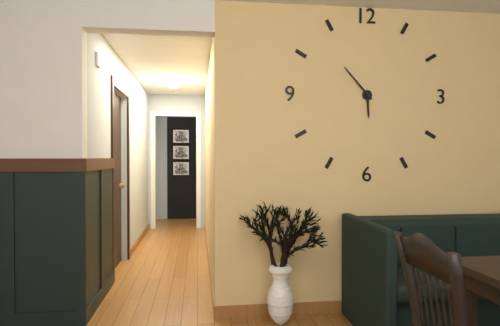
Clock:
5.53
